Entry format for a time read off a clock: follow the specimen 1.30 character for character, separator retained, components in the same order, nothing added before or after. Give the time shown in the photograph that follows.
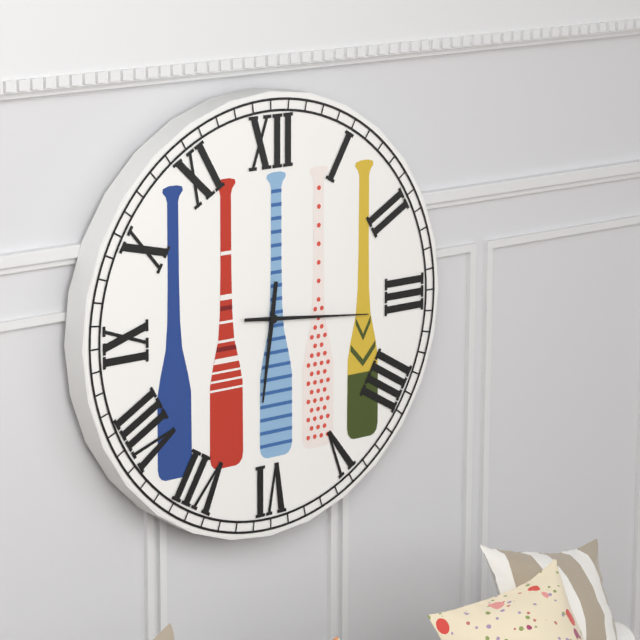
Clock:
6.16
